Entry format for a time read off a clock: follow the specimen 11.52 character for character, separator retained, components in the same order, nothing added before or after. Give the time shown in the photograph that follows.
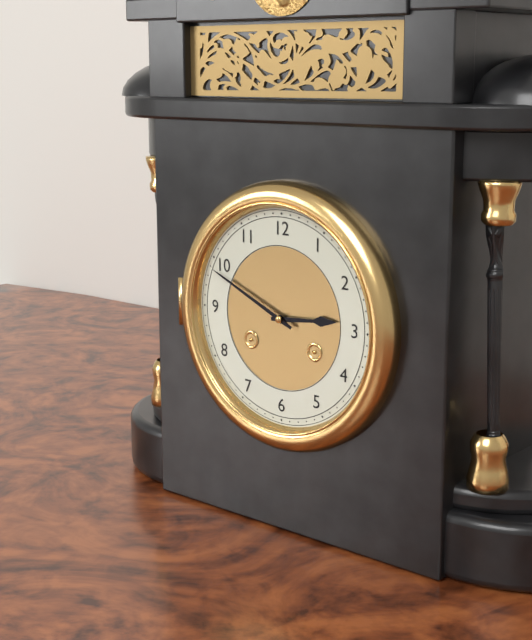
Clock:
2.49
